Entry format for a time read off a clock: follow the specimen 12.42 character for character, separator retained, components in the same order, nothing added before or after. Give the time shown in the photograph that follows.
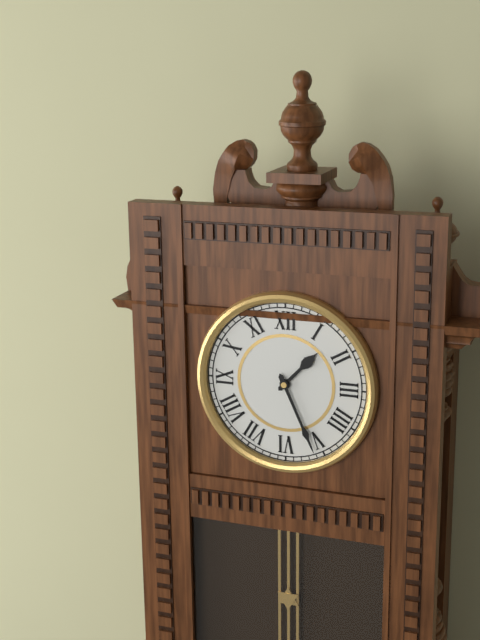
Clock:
1.26
